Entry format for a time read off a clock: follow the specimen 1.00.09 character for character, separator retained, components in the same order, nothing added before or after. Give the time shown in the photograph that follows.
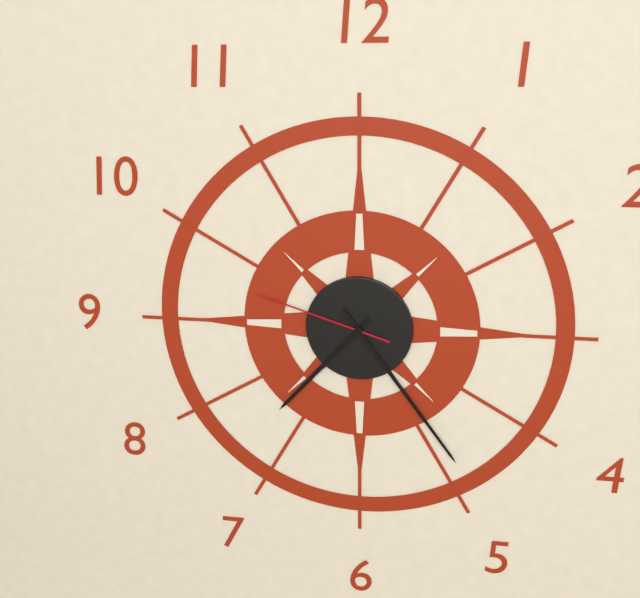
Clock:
7.24.48
